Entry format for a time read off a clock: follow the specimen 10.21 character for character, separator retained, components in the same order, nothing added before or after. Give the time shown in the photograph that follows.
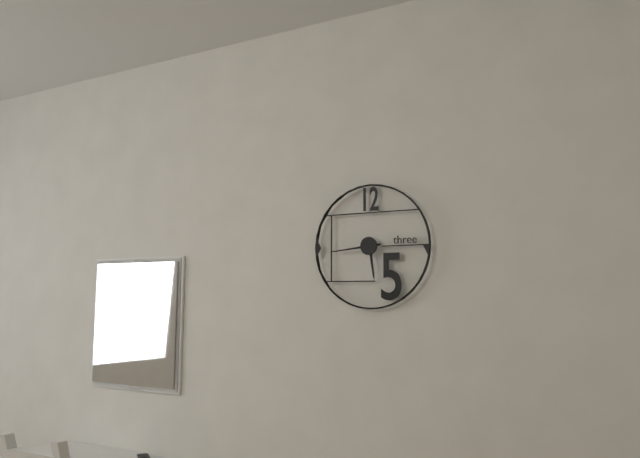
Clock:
5.44
